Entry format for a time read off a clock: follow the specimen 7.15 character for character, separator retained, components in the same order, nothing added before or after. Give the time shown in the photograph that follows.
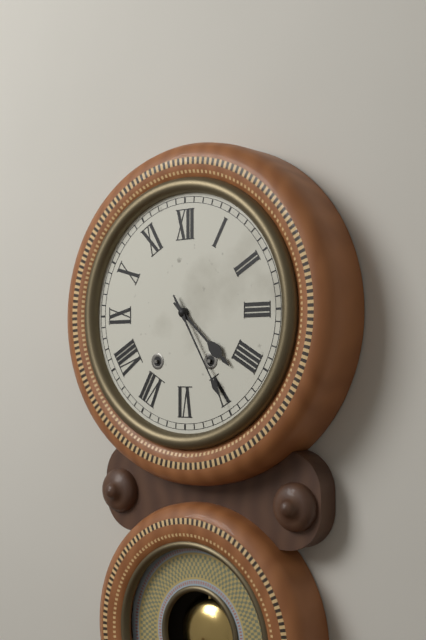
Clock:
4.25
